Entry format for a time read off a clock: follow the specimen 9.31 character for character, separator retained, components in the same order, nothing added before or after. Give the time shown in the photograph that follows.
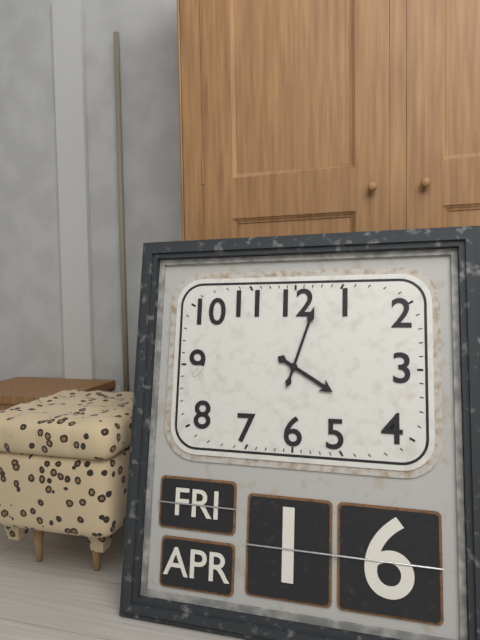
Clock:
4.03
